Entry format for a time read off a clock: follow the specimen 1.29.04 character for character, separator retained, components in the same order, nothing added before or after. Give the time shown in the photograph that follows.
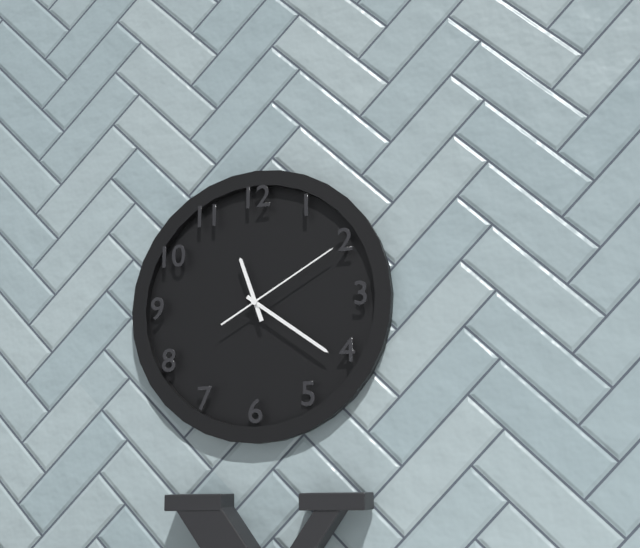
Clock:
11.21.10
